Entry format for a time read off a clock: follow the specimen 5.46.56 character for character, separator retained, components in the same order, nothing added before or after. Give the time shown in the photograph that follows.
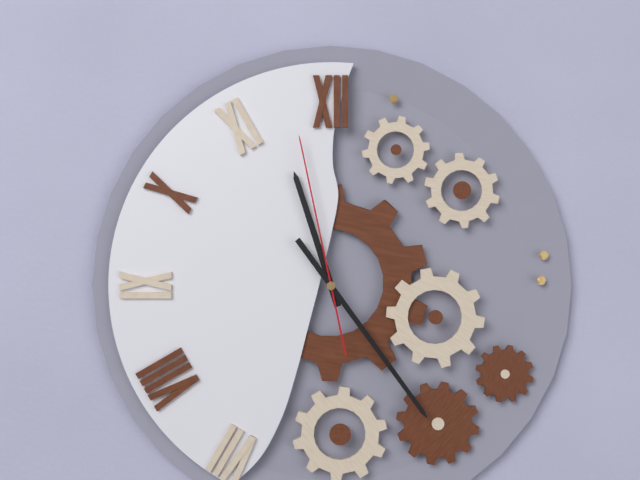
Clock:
11.24.58
